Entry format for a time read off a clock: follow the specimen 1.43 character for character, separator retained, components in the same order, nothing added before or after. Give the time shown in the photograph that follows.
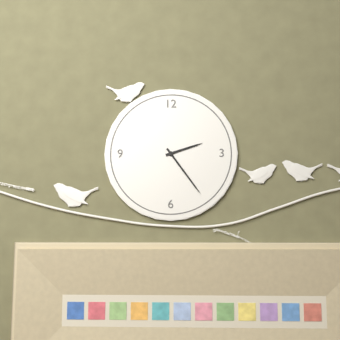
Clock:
2.24
